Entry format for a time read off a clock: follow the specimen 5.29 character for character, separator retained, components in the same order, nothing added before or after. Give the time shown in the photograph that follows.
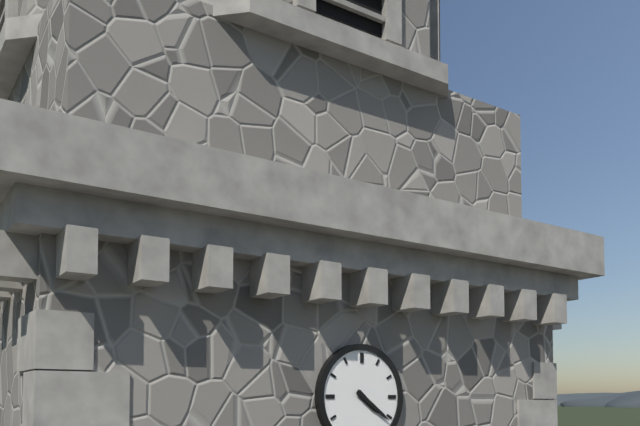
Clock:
4.21
